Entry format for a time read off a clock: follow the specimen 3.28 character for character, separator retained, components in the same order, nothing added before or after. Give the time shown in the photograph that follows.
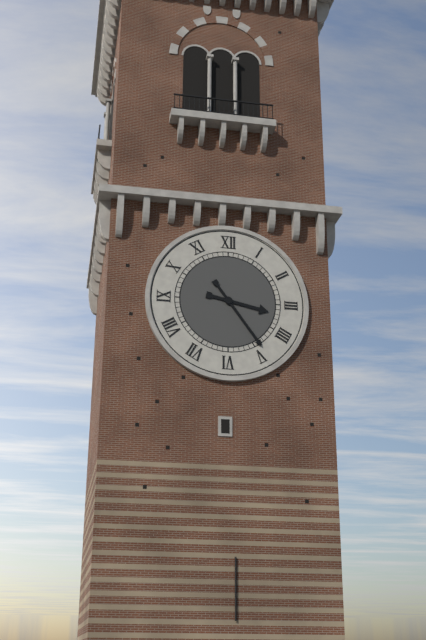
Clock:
3.24
